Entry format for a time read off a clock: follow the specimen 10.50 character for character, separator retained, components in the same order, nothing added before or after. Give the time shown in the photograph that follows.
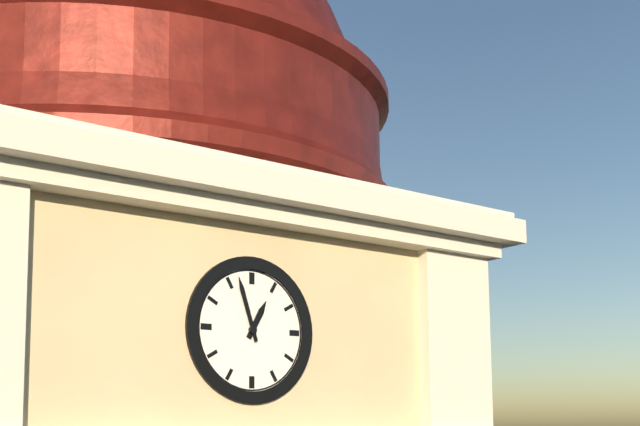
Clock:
12.57
